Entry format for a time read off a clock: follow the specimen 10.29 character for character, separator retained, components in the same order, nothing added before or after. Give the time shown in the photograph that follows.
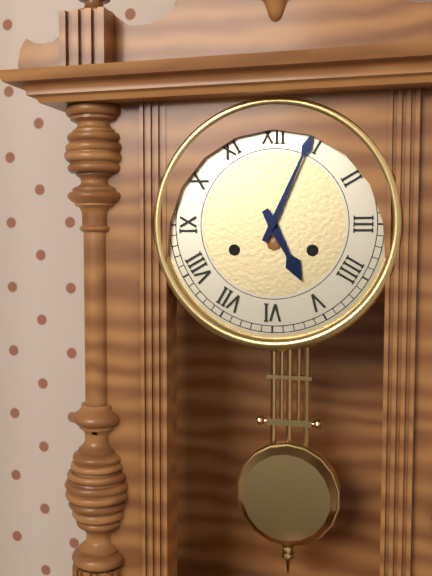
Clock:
5.04
